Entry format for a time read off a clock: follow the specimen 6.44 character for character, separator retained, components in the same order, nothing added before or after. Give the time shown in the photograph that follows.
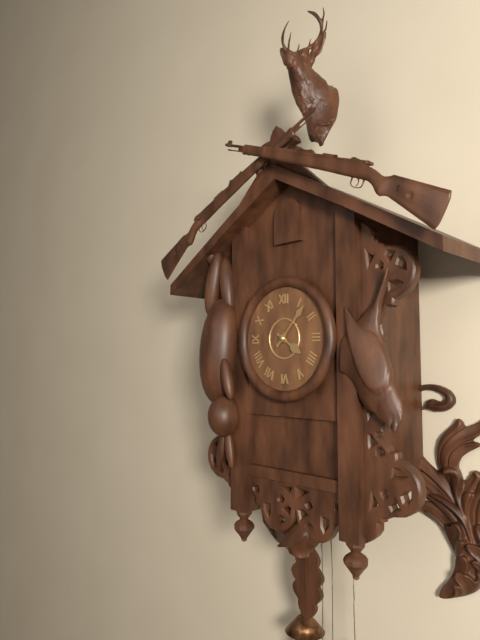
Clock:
4.07
